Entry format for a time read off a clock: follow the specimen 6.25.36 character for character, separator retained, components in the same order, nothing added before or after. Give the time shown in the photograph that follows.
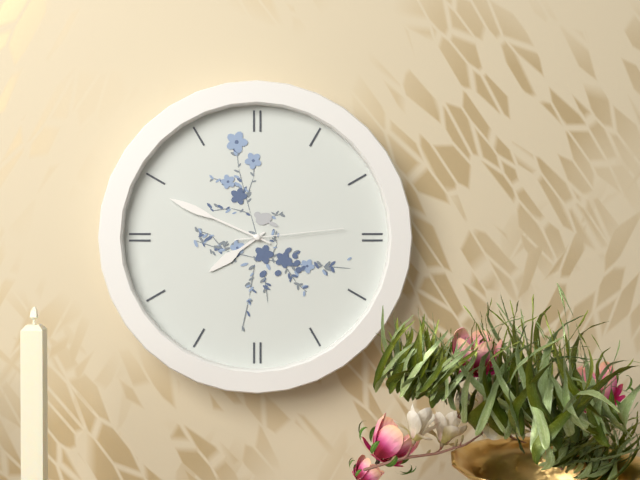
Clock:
7.49.14
